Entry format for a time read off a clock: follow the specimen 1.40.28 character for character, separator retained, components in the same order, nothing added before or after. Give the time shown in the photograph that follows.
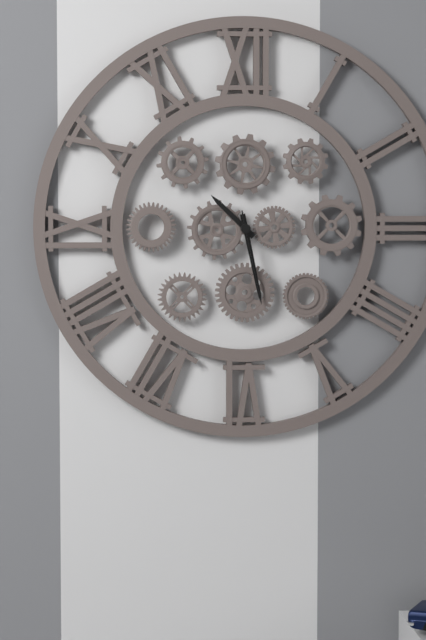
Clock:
10.28.28
